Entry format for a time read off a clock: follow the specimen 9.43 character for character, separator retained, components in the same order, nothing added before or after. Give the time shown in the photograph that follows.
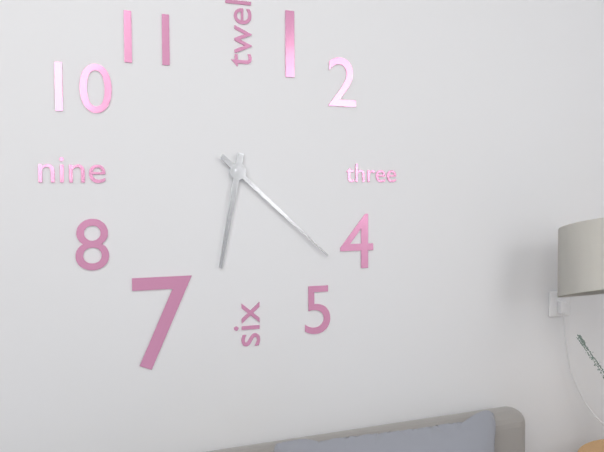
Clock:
6.22
